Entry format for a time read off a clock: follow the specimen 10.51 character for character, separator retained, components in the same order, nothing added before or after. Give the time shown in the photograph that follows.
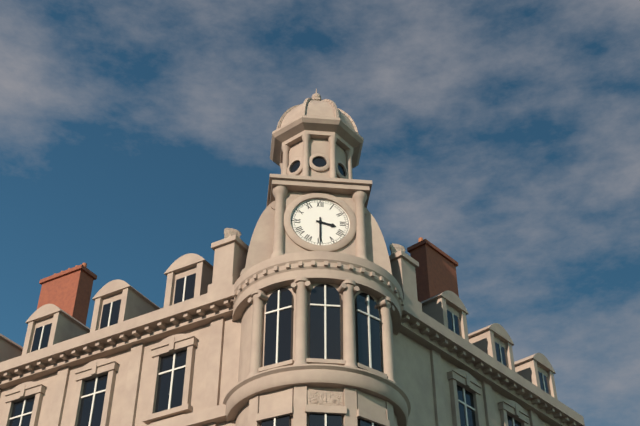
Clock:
3.30
